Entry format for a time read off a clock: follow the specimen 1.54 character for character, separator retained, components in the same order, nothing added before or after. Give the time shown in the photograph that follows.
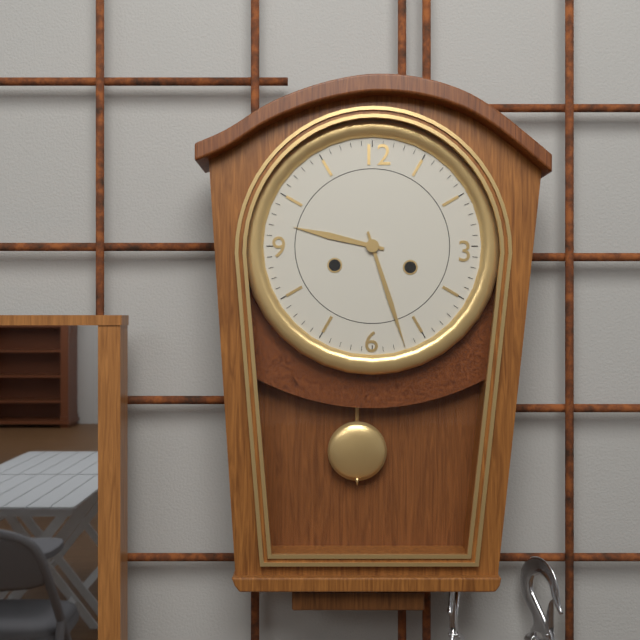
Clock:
9.27
